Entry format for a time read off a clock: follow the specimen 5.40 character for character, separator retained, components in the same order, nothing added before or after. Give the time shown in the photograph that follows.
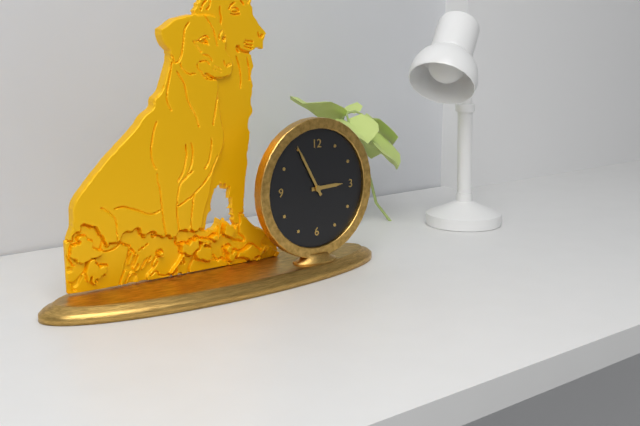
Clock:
2.55
